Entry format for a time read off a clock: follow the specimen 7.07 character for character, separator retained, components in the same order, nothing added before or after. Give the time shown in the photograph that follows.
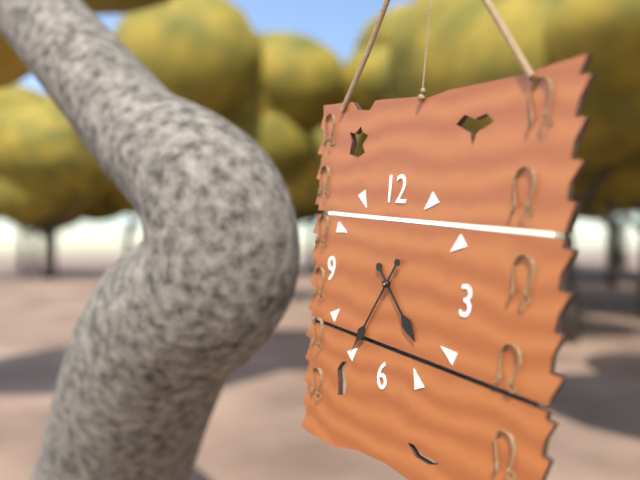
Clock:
4.35
